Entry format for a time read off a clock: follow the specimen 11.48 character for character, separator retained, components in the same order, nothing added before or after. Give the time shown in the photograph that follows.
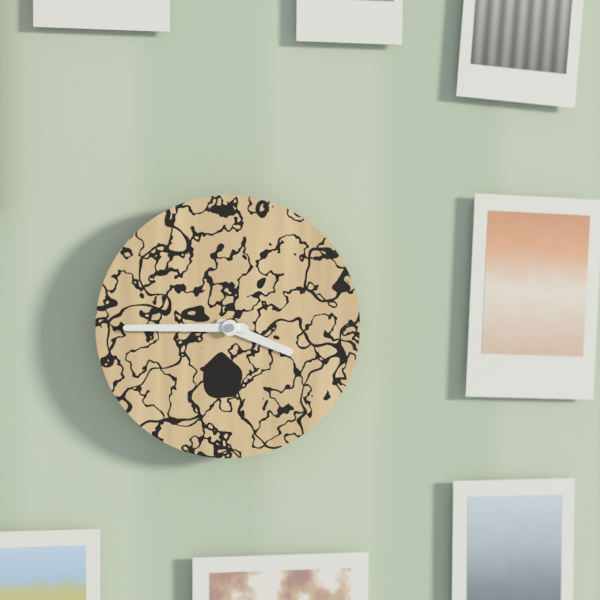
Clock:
3.45
